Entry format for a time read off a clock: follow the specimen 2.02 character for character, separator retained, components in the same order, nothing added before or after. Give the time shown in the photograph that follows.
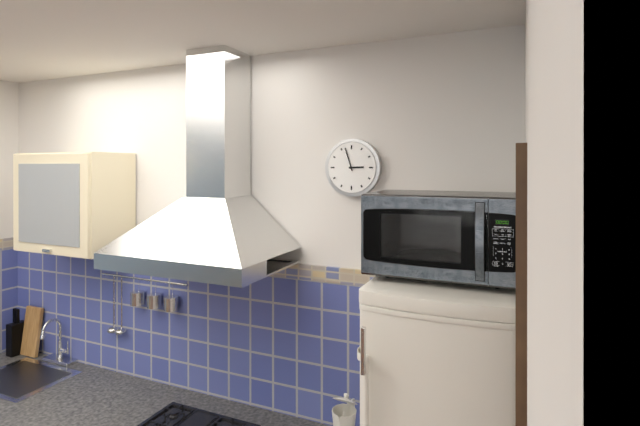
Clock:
2.57
